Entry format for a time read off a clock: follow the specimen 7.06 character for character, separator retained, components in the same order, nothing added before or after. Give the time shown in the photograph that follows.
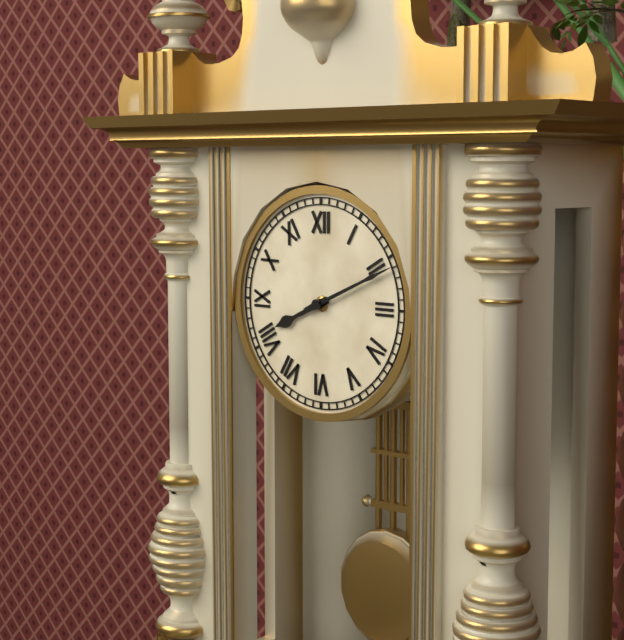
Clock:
8.11
